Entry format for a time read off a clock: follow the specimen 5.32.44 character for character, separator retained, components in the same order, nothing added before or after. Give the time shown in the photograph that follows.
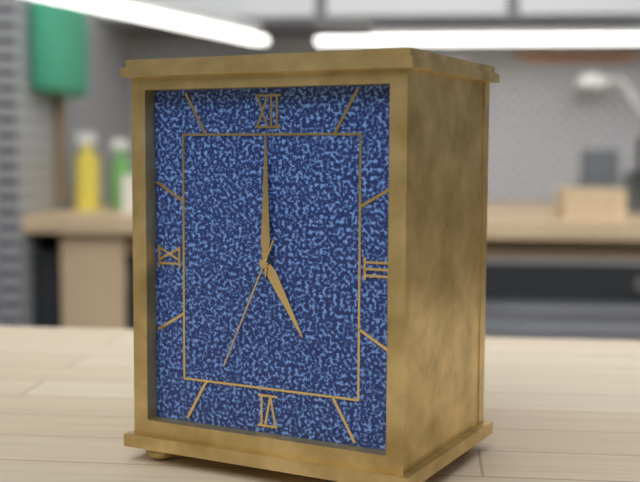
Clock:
5.00.34
